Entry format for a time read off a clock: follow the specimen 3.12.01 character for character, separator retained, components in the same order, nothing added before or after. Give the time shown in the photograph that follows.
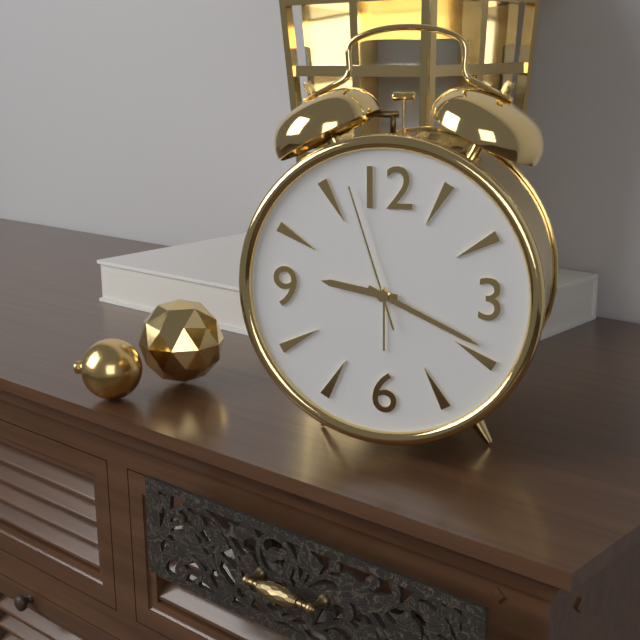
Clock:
9.19.57
